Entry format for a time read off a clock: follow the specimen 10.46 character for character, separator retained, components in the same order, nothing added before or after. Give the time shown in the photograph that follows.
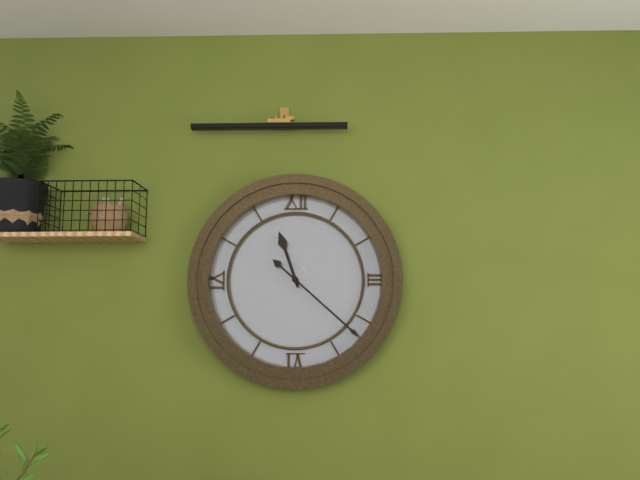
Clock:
11.22
